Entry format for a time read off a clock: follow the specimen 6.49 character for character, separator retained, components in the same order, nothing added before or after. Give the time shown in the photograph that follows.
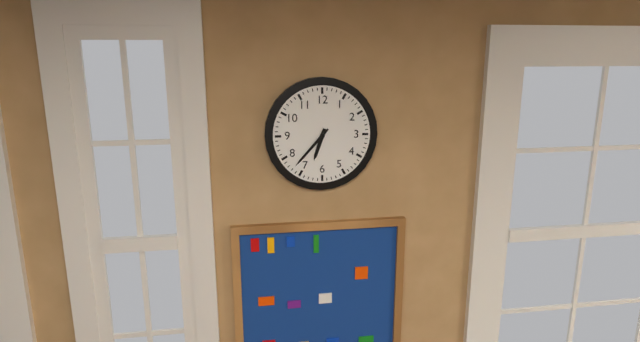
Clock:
6.37
